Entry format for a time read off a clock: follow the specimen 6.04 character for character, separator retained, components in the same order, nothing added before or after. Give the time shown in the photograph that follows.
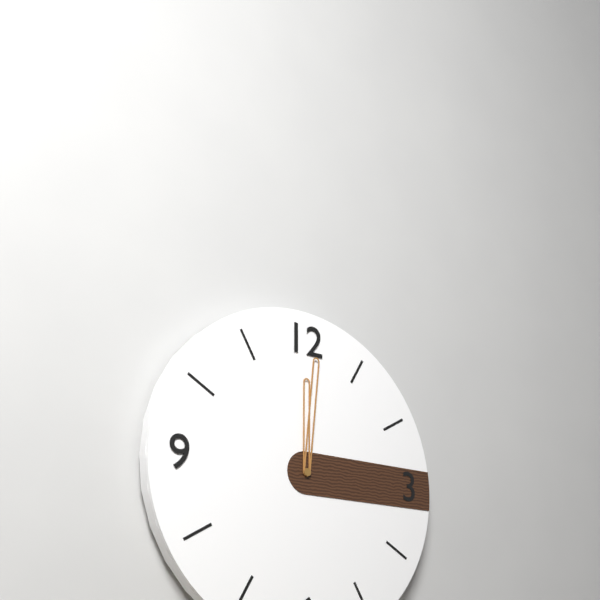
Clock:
12.01
